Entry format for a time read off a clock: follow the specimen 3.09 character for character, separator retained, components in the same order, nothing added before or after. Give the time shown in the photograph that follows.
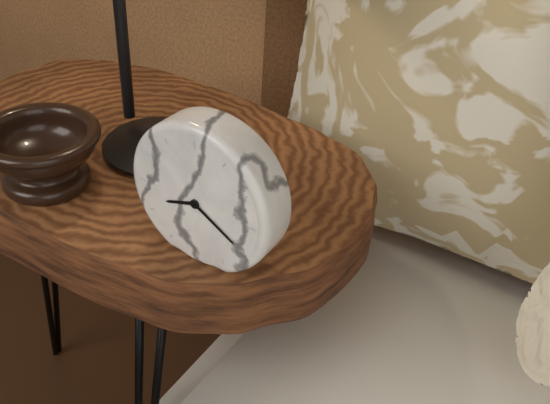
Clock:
8.20
